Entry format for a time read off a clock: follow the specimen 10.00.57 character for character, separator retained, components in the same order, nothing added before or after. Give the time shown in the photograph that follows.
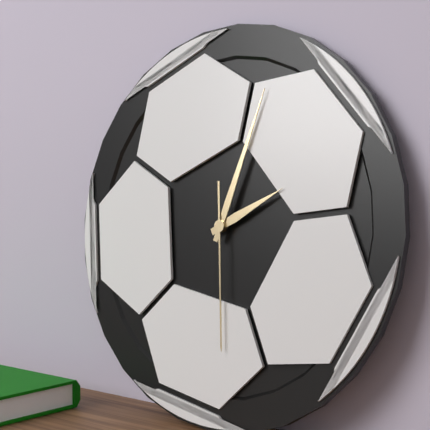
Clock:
2.03.29
